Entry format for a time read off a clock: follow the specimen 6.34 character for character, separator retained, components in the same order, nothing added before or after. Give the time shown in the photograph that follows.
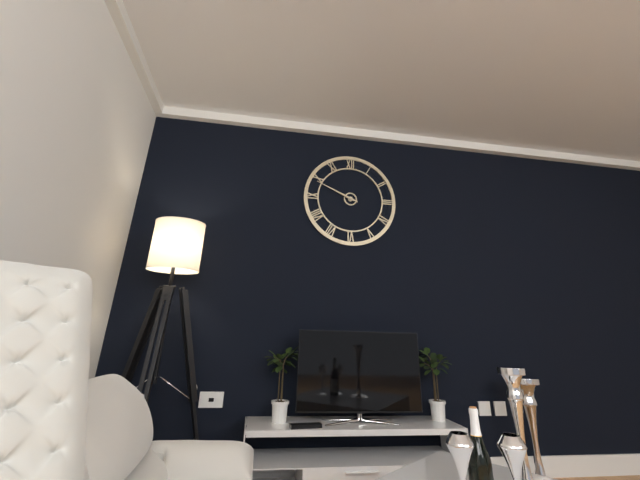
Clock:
9.49
